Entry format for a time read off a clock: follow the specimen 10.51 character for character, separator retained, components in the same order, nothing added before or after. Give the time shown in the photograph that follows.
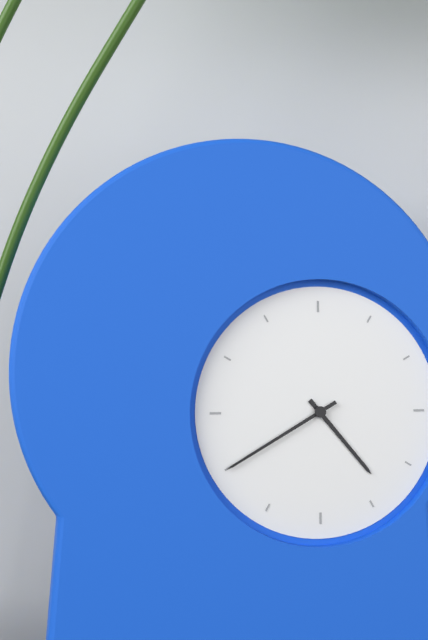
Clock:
4.40
